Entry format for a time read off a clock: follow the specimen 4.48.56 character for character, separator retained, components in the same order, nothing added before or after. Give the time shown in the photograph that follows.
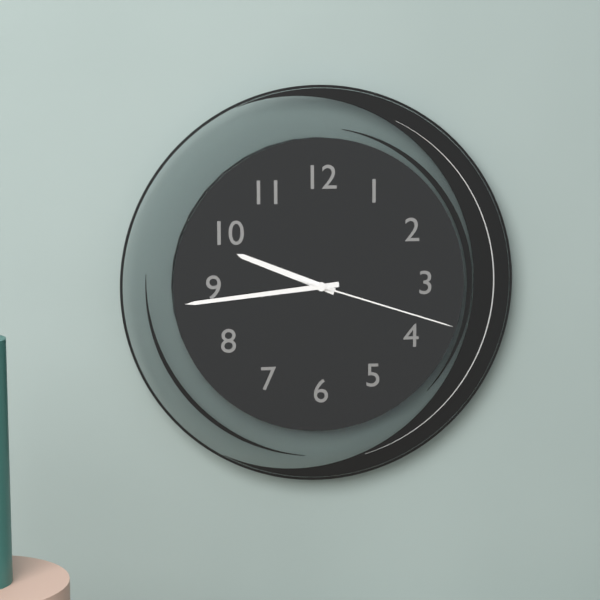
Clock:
9.44.18
